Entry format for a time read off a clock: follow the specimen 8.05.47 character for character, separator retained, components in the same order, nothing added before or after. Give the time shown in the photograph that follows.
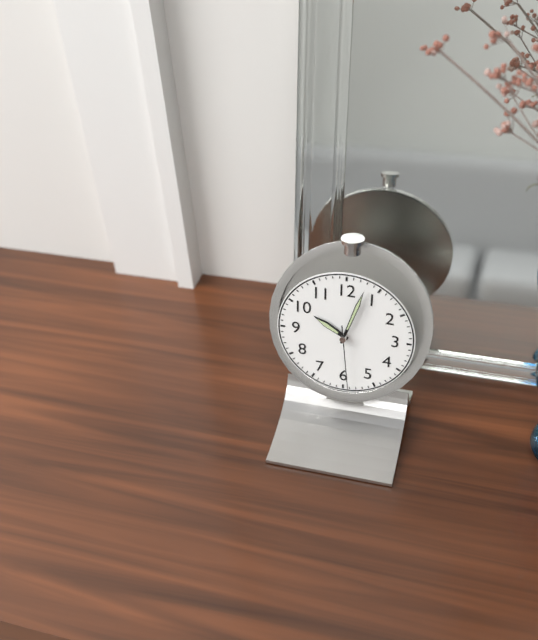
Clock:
10.03.29
